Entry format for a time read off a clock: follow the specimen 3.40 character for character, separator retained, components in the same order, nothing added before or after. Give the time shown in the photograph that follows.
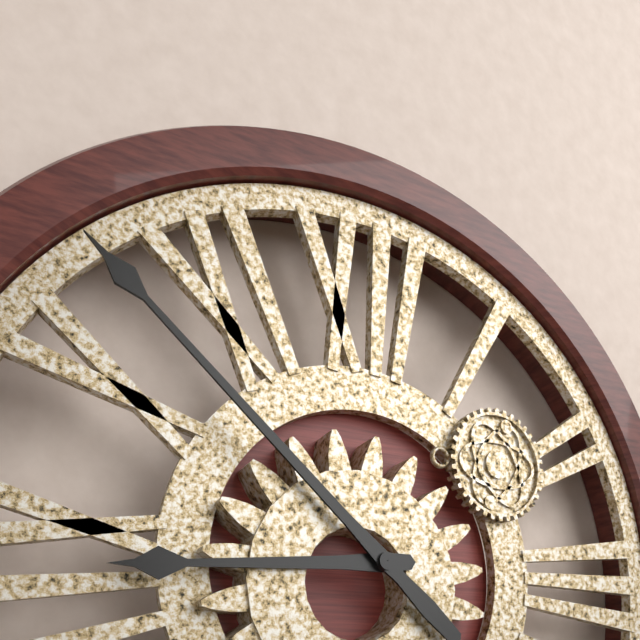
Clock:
8.52
